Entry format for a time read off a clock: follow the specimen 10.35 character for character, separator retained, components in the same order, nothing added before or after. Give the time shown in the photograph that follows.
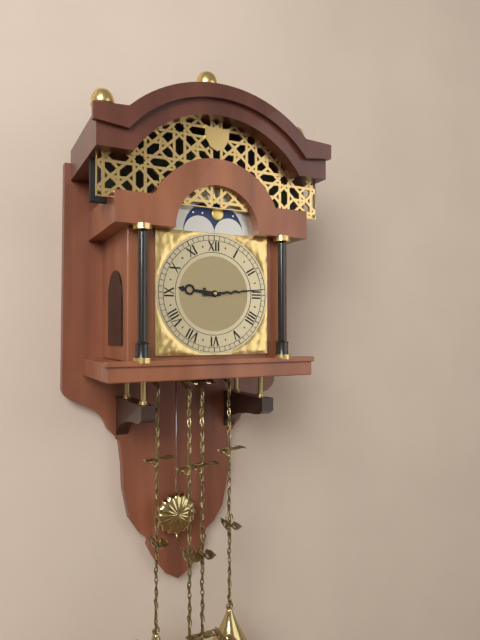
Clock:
9.14
